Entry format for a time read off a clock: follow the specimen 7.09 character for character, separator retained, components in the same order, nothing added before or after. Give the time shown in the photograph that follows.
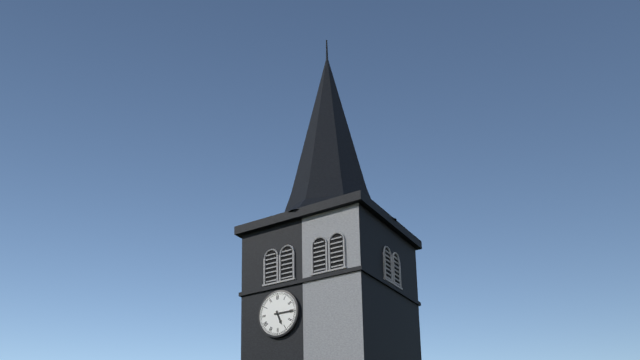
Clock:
5.15
